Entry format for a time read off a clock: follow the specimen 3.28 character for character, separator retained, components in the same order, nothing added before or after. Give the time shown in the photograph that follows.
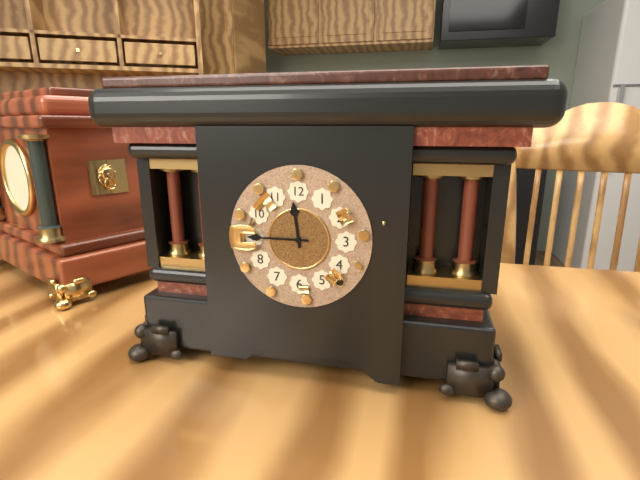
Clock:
11.45
